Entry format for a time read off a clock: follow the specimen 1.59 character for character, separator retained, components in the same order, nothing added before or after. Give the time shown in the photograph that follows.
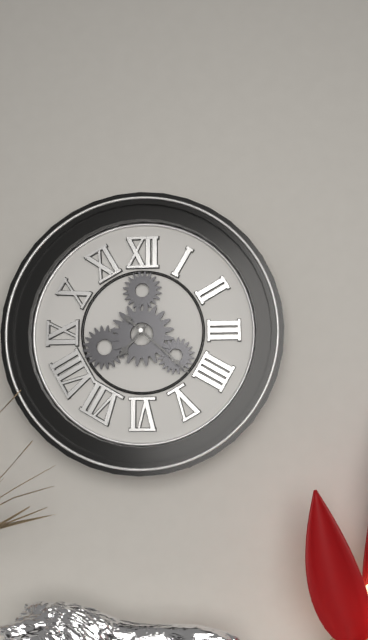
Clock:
7.22
